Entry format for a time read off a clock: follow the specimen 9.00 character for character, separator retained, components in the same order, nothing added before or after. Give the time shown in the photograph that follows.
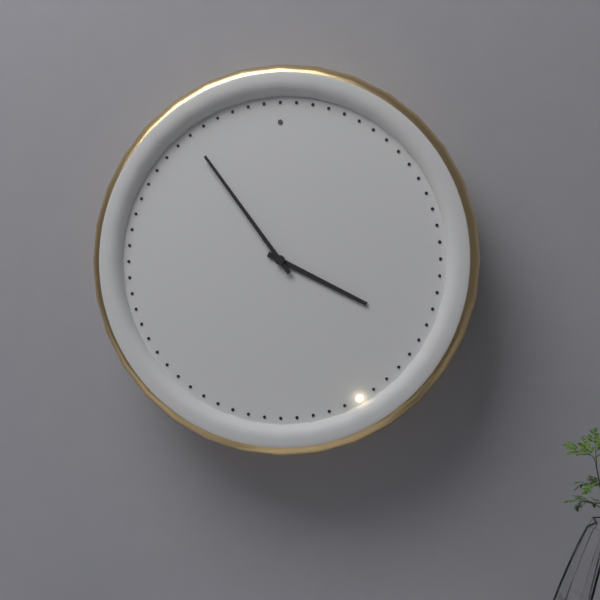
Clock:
3.54
